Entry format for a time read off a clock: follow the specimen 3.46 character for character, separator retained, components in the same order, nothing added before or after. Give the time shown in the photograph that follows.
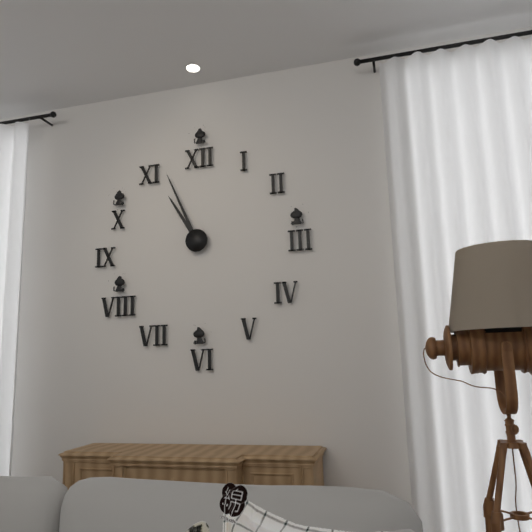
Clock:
10.56
